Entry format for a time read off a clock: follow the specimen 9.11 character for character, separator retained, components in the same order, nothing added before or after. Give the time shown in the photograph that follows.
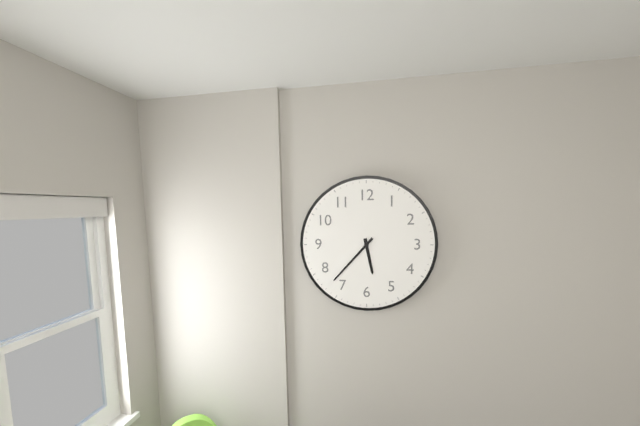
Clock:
5.37
